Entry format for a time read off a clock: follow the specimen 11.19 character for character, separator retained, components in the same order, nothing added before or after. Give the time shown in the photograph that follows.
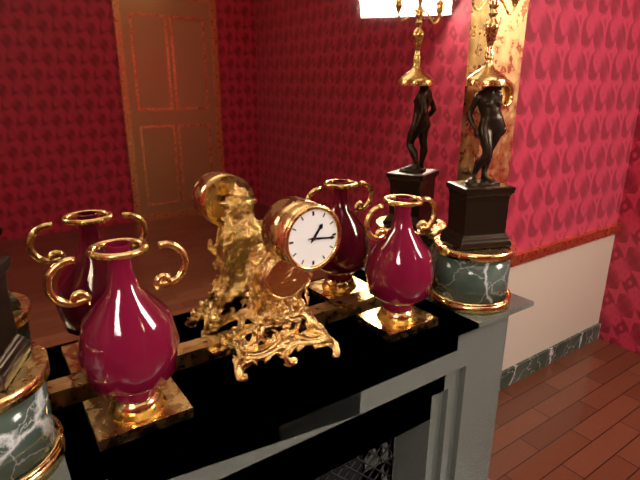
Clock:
1.16
